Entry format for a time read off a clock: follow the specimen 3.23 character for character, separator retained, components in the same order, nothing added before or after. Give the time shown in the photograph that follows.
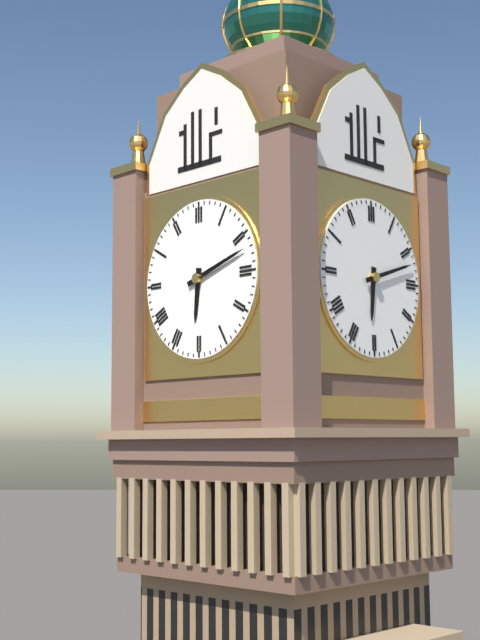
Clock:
6.12
